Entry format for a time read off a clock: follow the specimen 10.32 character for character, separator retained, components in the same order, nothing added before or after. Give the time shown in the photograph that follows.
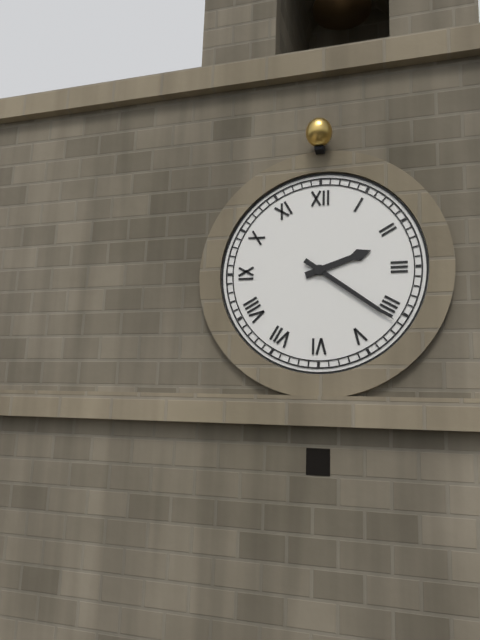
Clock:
2.21
